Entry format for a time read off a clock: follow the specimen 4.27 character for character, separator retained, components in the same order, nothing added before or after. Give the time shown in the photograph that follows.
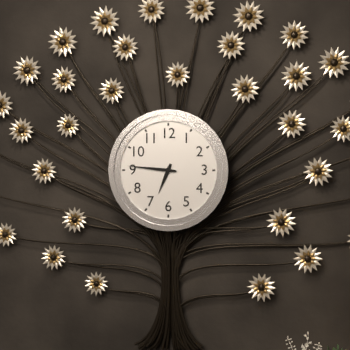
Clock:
6.46
